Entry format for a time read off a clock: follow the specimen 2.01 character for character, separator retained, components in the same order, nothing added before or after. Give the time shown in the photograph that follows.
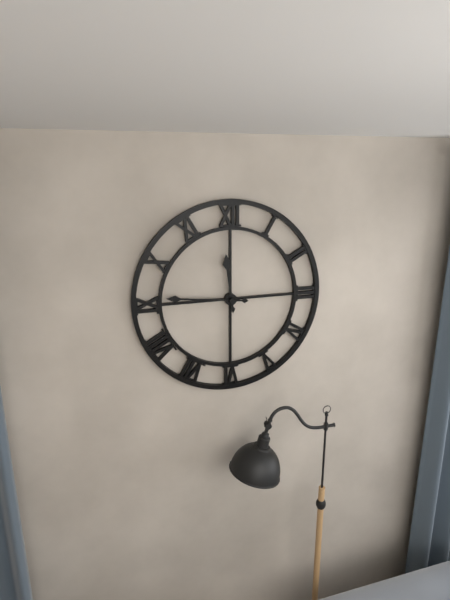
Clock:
11.46
